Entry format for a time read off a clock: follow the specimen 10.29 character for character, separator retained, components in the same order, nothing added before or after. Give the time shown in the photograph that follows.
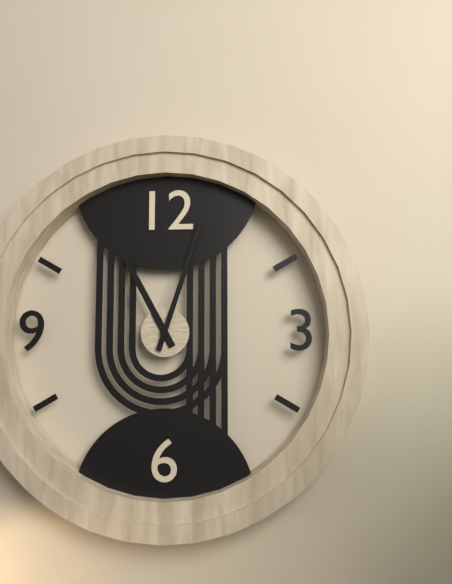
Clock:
11.03
